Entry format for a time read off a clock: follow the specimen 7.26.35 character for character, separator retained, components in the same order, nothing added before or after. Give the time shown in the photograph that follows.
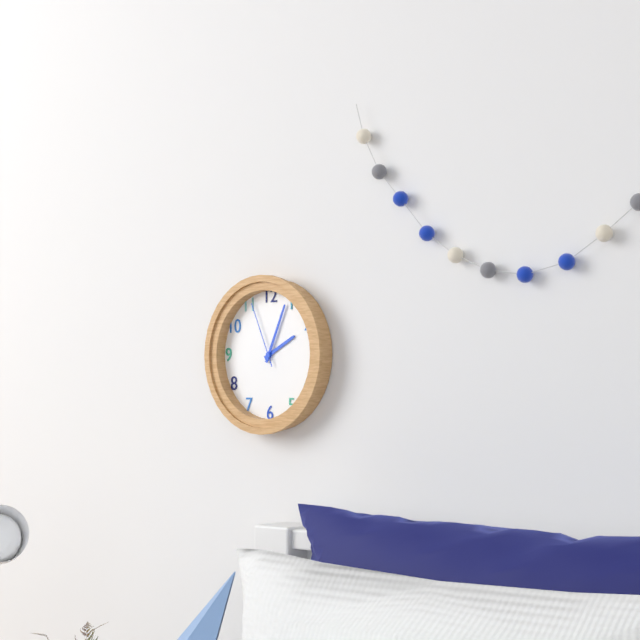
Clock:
2.04.56
